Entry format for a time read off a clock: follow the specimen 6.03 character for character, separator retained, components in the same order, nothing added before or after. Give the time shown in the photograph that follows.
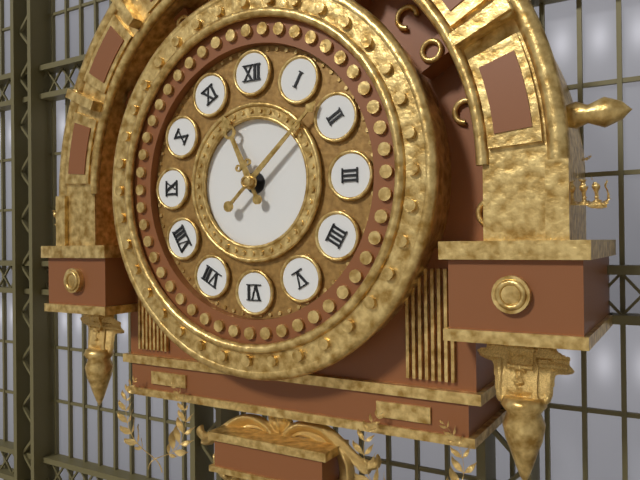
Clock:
11.08
